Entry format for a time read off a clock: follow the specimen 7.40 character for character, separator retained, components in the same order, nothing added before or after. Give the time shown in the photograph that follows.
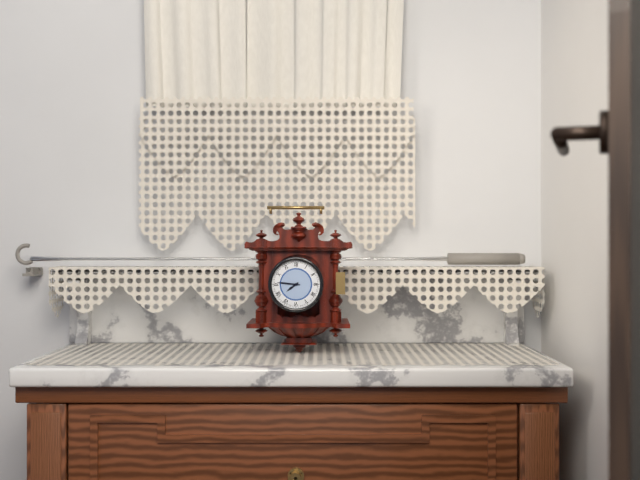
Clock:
7.46
